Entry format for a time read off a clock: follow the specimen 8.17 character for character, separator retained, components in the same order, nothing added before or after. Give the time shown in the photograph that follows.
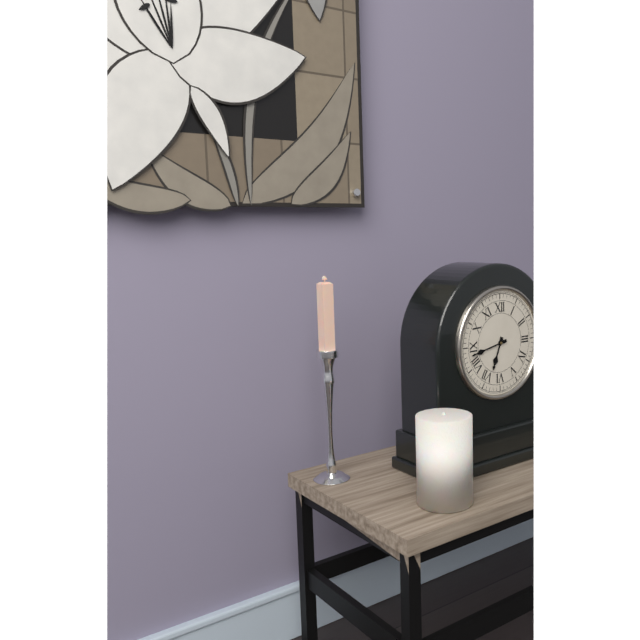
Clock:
6.43
